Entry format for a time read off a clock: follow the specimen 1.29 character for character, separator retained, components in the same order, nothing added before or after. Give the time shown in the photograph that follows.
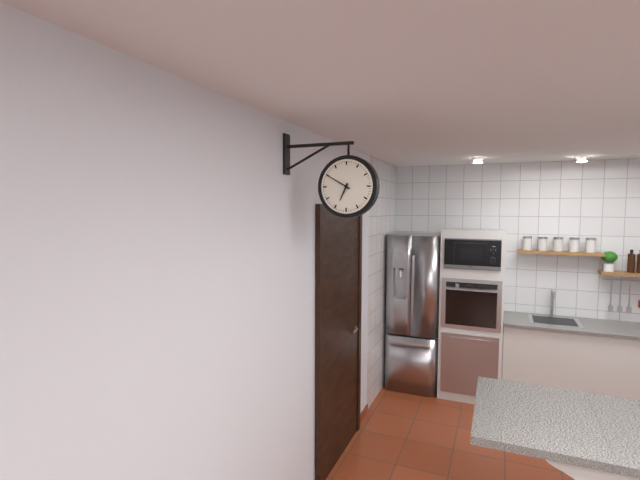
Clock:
6.50
